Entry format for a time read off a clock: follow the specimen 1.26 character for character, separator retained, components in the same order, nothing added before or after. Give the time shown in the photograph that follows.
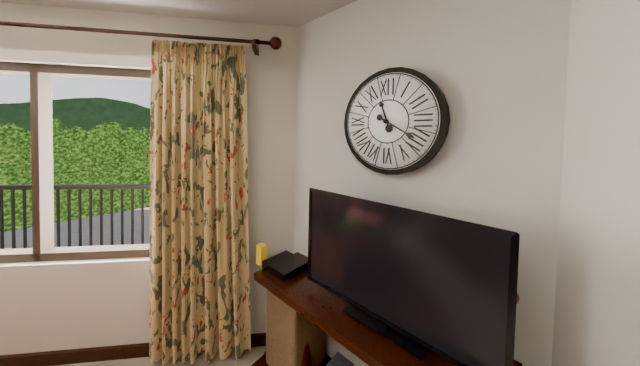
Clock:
11.20
